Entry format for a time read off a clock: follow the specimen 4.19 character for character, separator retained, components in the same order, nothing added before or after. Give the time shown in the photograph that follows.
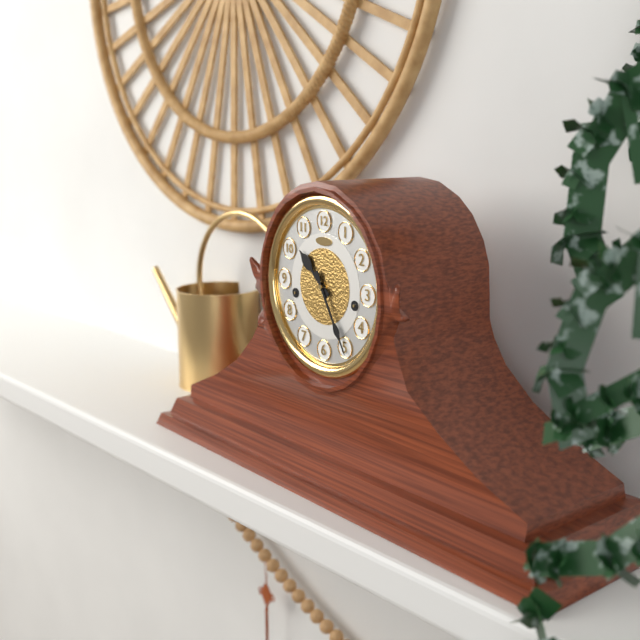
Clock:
10.25
